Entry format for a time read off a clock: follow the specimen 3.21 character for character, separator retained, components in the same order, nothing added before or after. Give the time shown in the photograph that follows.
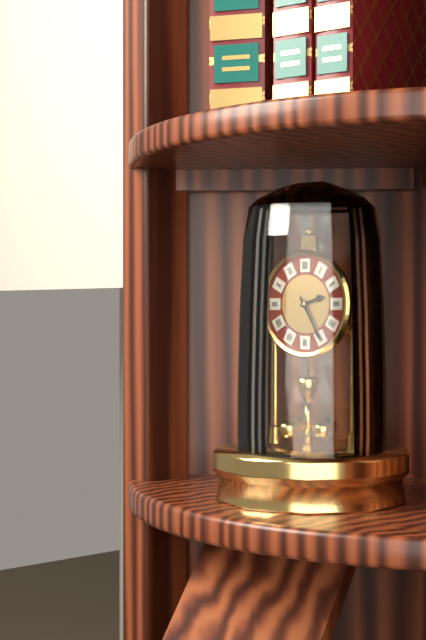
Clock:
2.25
